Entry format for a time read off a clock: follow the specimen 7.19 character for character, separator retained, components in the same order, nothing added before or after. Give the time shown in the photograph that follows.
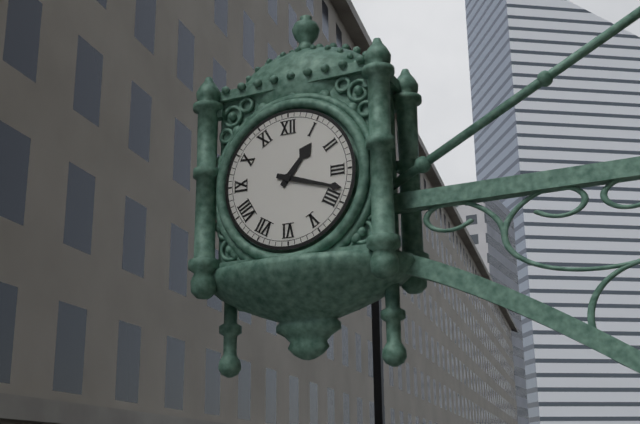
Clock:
1.18
